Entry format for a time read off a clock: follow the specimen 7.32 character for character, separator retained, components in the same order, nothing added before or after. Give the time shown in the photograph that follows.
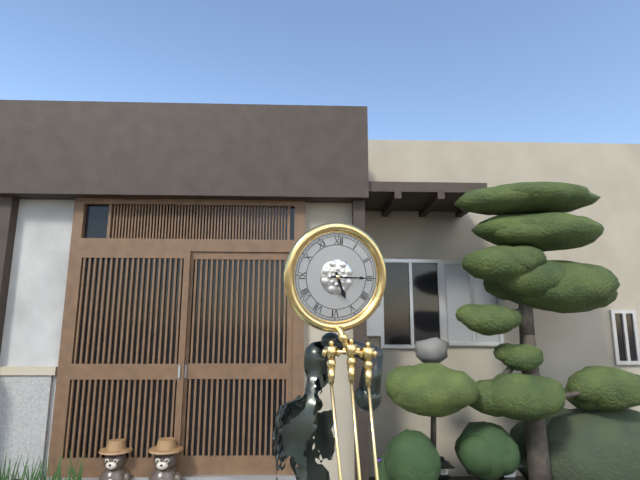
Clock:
5.15
